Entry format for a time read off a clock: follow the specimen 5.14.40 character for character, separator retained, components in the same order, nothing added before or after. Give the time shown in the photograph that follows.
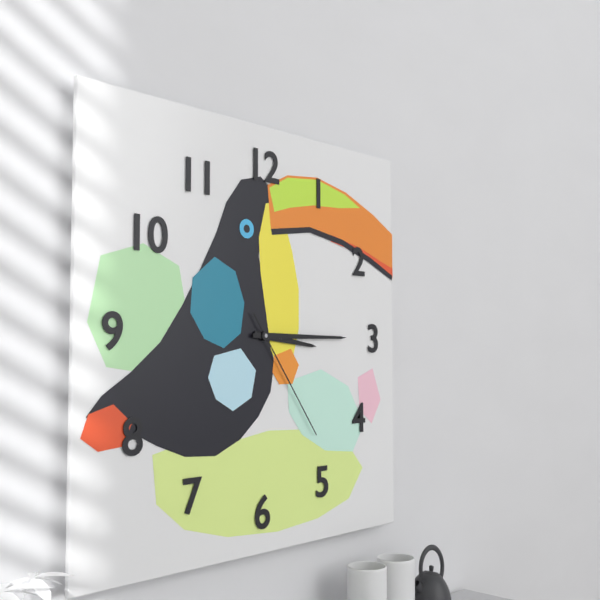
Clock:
3.15.24
